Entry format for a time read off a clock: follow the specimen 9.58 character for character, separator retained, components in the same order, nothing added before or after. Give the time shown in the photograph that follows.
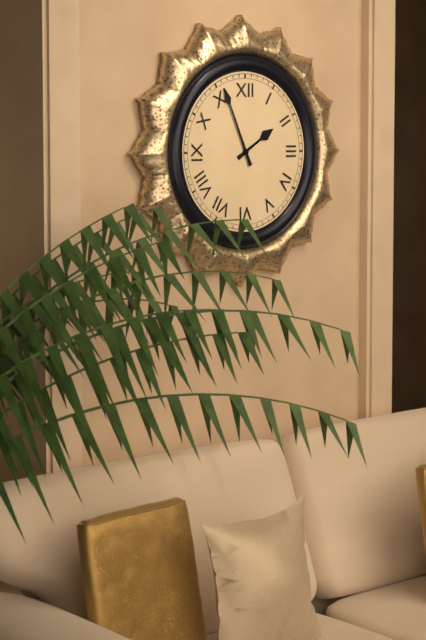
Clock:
1.56
